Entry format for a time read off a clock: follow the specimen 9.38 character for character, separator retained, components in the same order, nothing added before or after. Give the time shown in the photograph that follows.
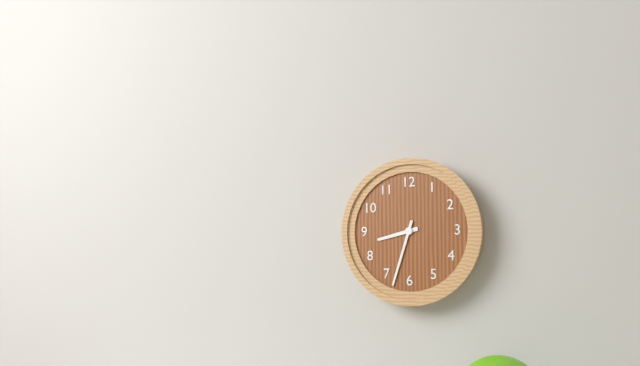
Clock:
8.33
